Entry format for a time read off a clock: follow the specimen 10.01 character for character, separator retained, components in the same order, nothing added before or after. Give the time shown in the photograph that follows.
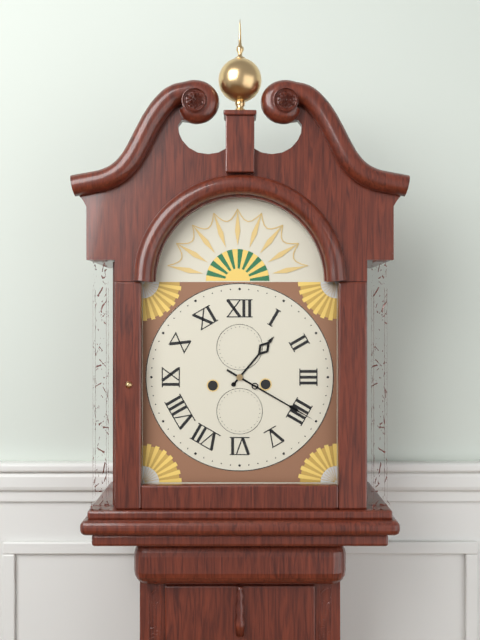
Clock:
1.20
